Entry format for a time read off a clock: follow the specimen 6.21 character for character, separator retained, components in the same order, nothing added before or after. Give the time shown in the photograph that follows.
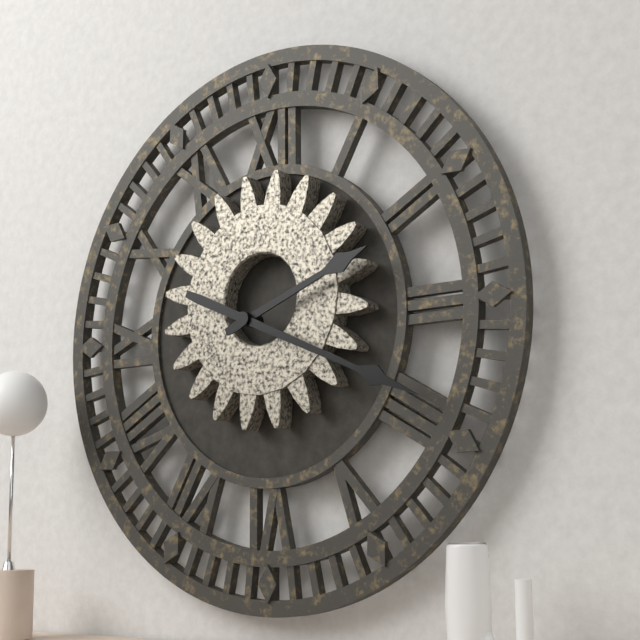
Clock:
2.19
